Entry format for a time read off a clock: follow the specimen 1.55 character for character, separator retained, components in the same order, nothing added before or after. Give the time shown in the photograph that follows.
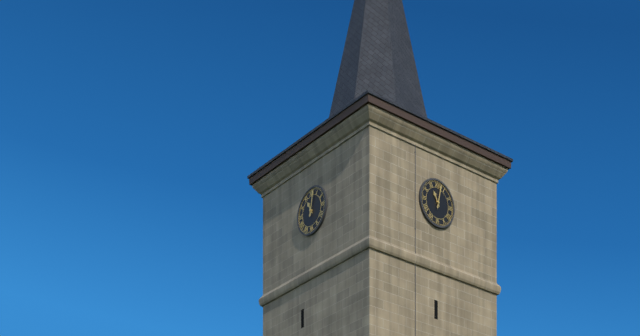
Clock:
11.02
